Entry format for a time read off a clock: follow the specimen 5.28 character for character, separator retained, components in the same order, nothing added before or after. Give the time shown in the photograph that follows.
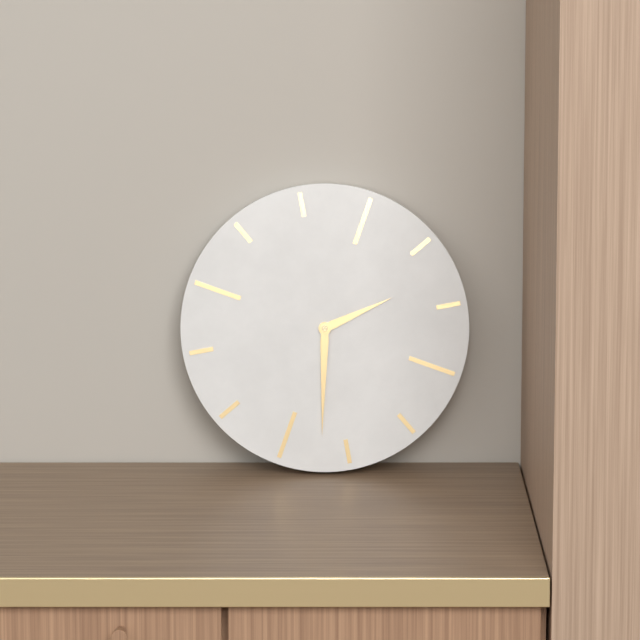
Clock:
2.32
